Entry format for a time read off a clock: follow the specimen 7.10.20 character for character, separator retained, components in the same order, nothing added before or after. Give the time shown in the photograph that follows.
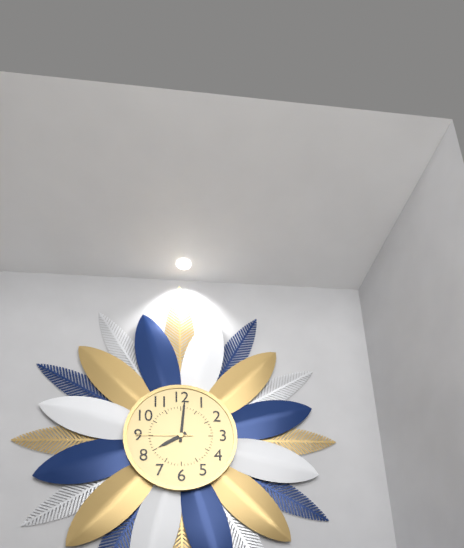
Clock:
8.01.45
